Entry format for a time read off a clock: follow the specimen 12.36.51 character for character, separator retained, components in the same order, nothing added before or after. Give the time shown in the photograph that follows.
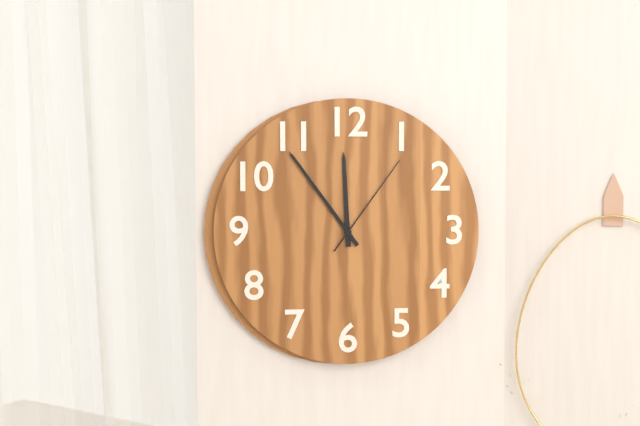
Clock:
11.54.06
